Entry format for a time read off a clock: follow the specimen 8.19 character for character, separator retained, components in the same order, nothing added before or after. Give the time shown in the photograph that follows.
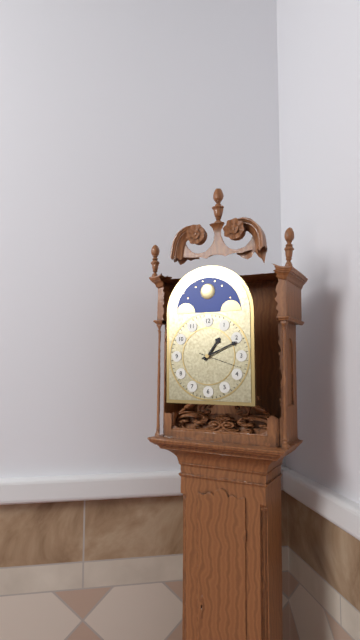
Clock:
1.11
